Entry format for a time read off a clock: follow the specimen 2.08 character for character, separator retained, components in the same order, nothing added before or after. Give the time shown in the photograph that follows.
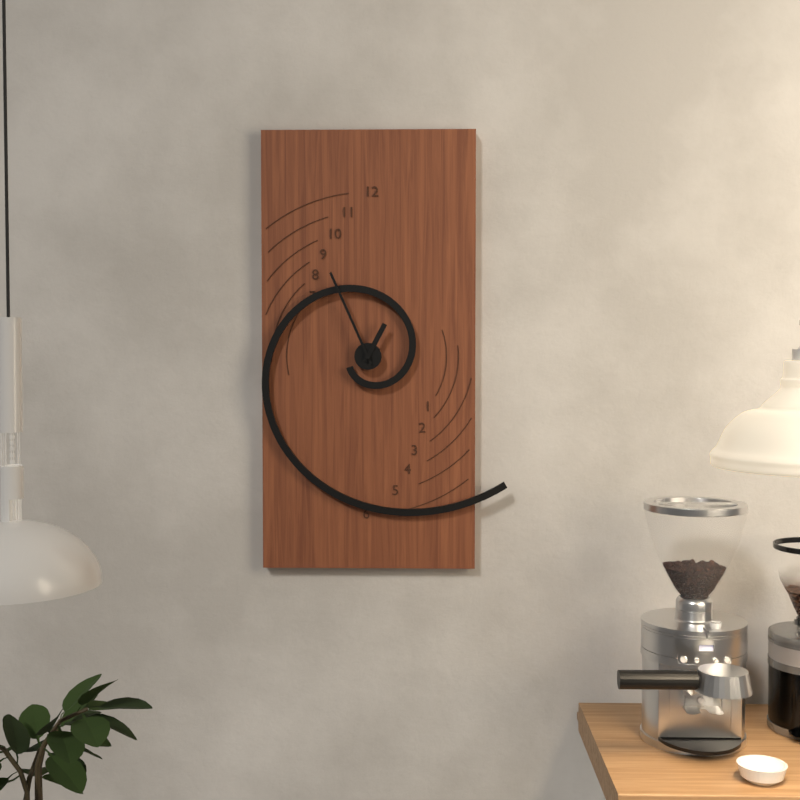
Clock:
12.56
